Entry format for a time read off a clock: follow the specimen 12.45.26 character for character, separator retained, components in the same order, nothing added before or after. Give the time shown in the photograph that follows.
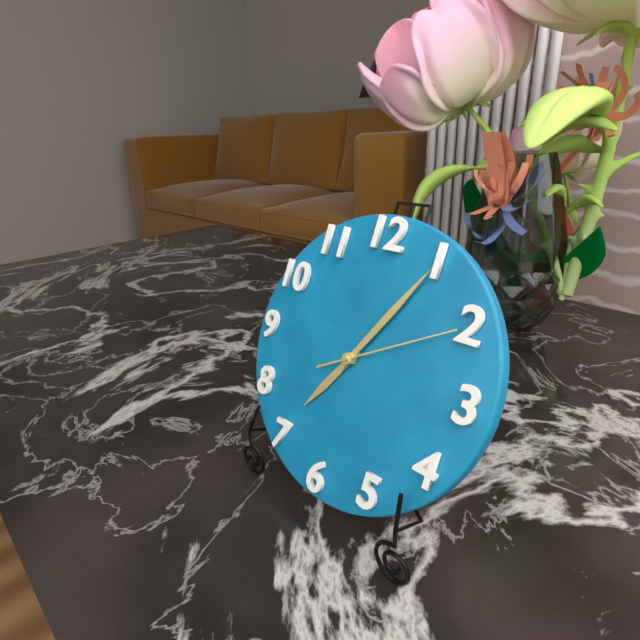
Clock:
7.05.10
